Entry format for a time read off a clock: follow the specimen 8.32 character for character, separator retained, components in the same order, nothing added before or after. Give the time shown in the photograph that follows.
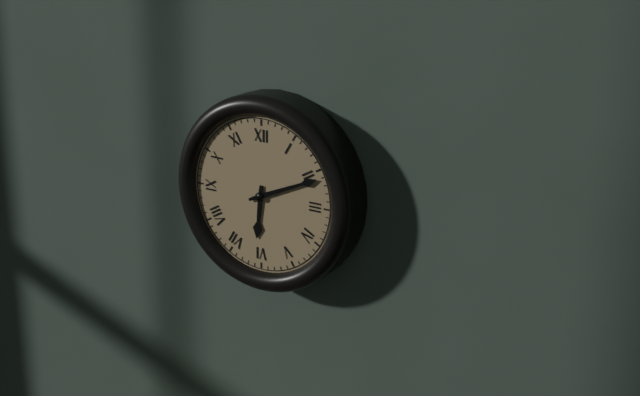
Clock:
6.11
